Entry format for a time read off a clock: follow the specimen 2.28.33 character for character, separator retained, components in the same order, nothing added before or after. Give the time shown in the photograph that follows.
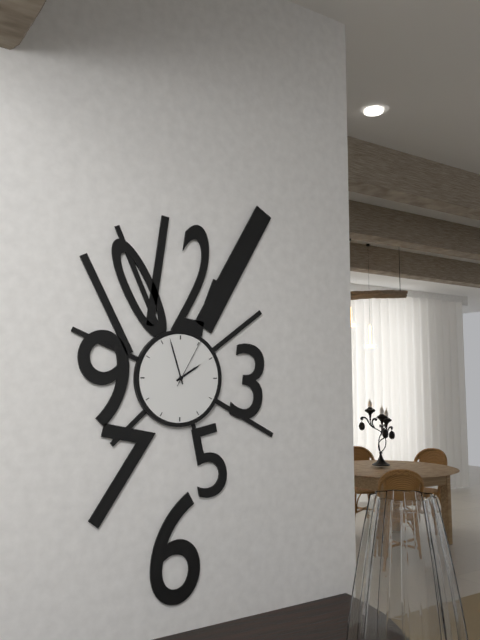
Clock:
1.57.05
